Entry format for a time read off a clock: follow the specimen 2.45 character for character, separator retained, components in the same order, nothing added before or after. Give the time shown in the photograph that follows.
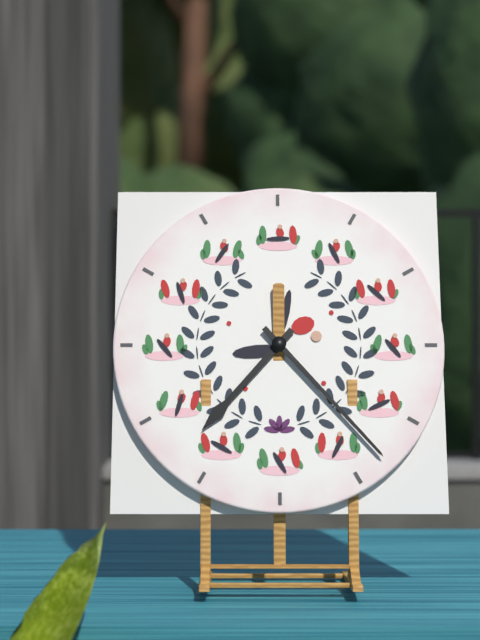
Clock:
7.23
